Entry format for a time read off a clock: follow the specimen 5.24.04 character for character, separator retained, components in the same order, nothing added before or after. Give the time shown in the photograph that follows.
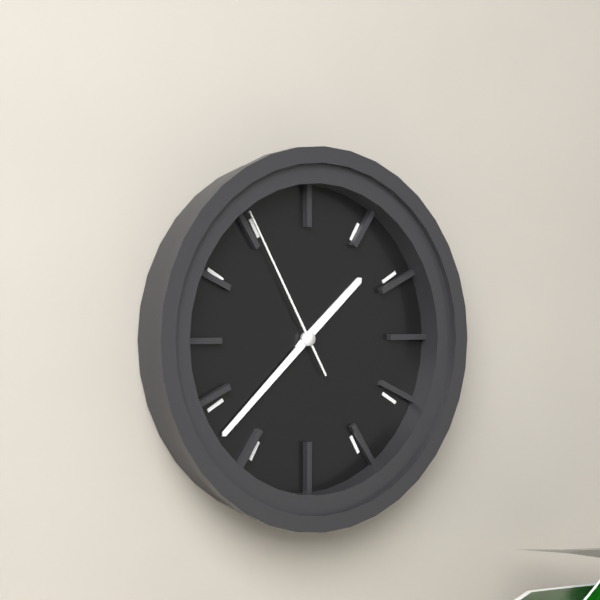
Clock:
1.38.55
